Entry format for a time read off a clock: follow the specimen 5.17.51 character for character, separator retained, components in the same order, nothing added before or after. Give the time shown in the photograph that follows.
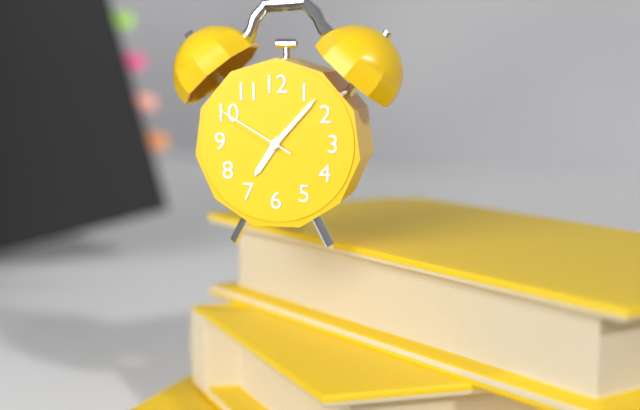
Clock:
7.07.50
